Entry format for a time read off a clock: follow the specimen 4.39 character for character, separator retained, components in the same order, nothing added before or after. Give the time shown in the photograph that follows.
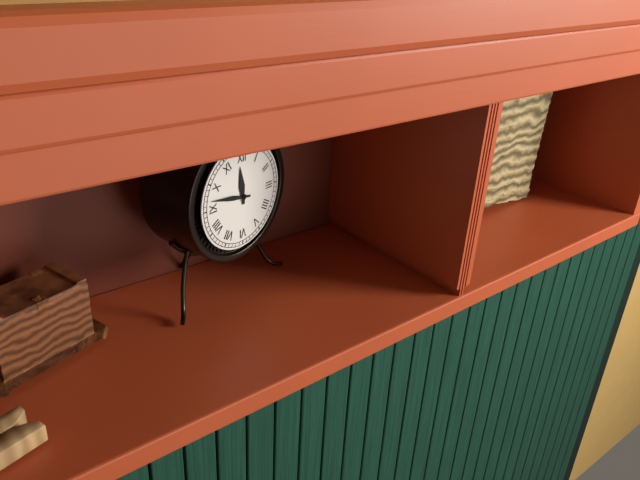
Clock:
11.47
